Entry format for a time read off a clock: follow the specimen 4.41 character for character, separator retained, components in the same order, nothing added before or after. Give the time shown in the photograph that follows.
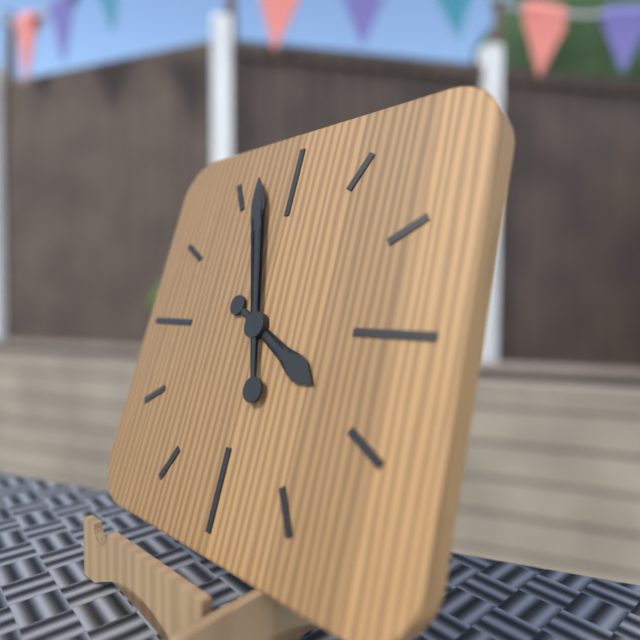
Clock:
3.57
